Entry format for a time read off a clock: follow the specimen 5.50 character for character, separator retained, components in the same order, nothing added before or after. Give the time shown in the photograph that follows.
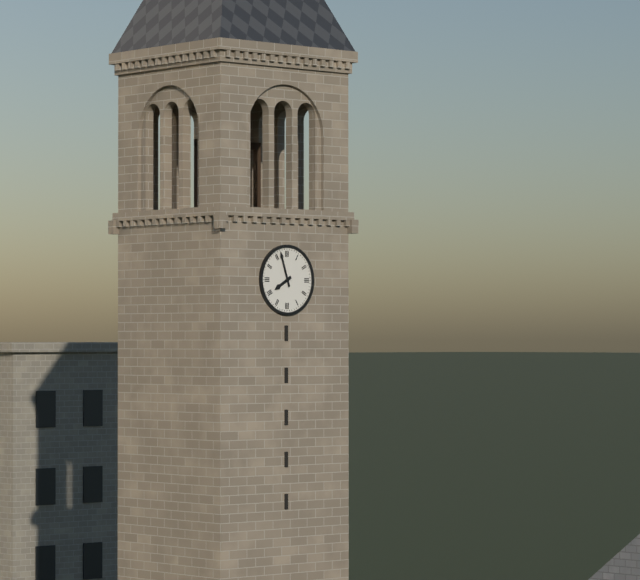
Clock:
7.57
